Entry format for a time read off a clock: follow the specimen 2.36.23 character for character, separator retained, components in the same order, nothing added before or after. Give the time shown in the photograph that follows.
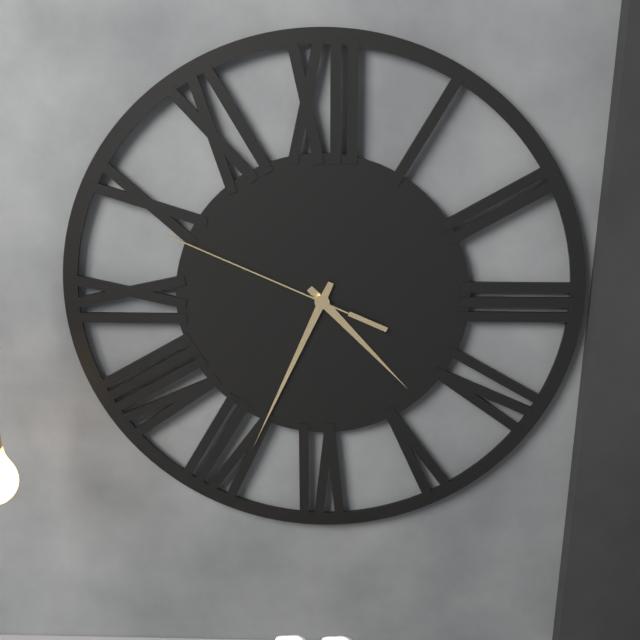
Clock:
4.34.49
